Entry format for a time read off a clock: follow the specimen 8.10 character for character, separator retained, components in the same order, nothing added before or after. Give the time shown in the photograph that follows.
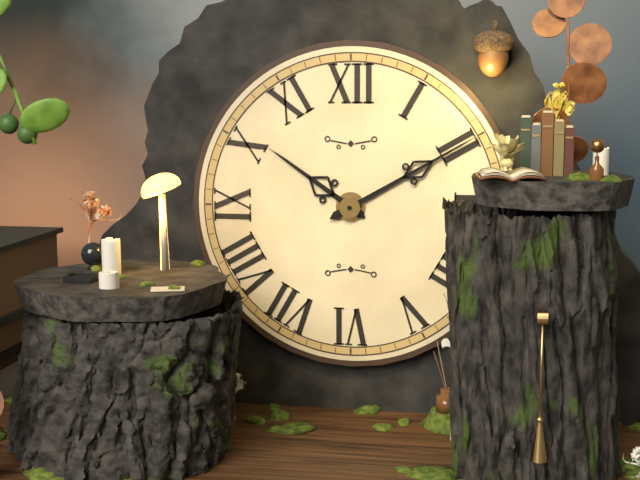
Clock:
10.10
